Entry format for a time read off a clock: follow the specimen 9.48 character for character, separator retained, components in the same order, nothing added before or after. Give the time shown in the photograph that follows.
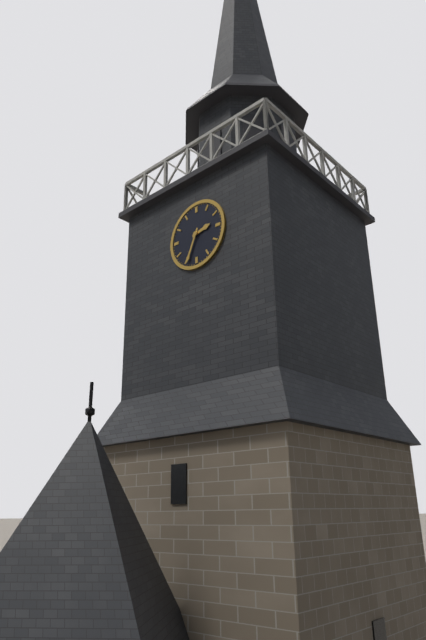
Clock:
2.34
